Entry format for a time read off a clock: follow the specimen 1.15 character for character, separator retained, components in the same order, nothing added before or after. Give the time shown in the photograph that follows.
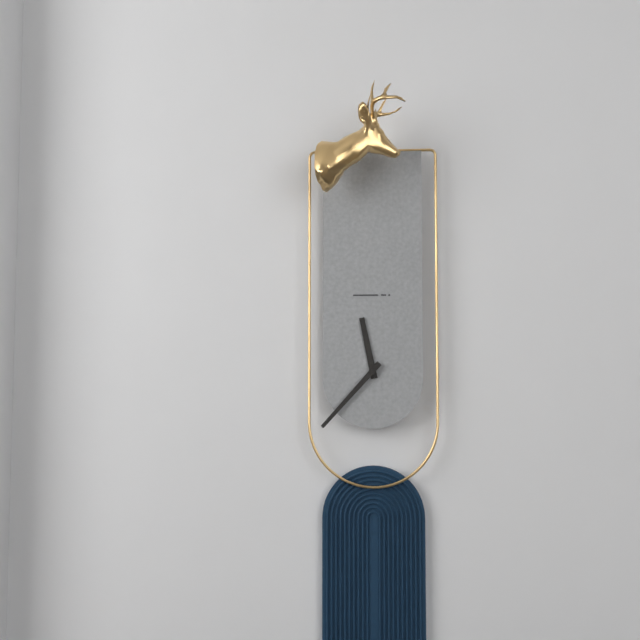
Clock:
11.37
